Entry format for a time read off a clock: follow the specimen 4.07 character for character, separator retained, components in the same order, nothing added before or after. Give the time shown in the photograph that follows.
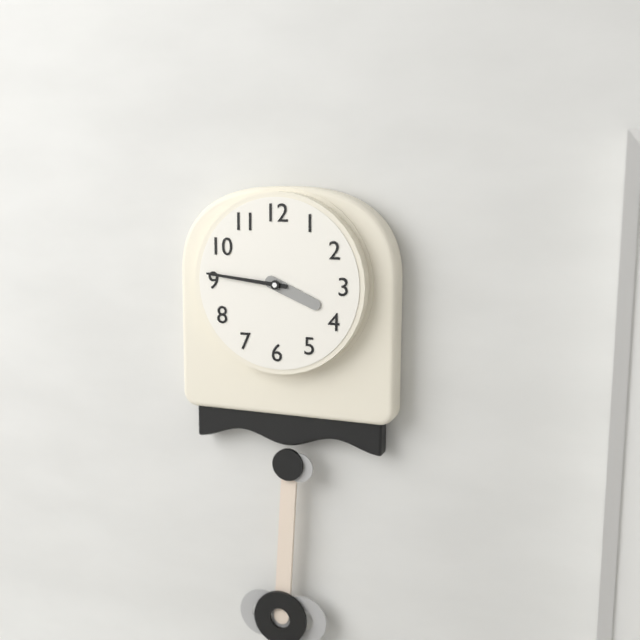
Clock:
3.46
